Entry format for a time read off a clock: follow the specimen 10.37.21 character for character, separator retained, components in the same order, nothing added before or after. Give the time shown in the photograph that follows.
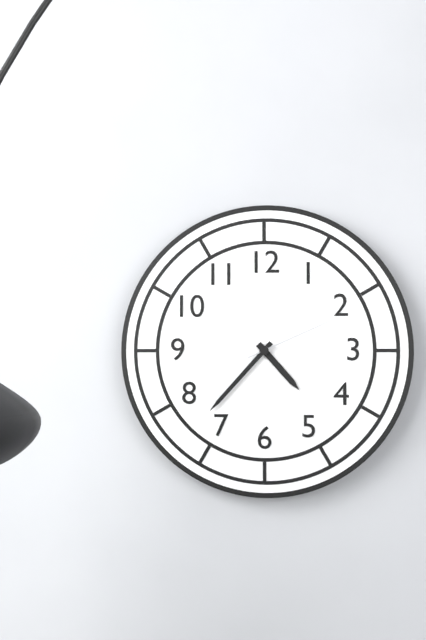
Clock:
4.37.11
